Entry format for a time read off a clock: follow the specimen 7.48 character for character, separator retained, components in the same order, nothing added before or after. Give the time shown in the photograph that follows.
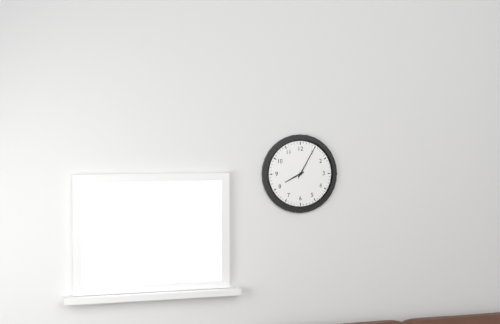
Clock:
8.05
